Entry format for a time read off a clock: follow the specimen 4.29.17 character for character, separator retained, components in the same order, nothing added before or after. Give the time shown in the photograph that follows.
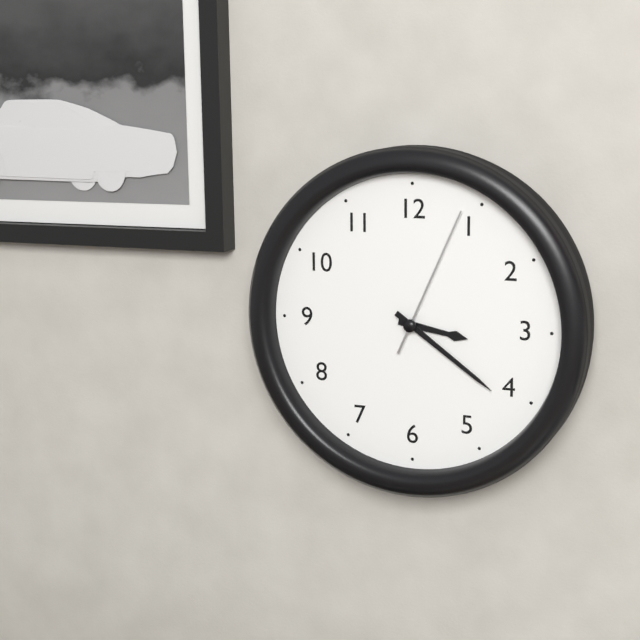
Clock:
3.21.04
